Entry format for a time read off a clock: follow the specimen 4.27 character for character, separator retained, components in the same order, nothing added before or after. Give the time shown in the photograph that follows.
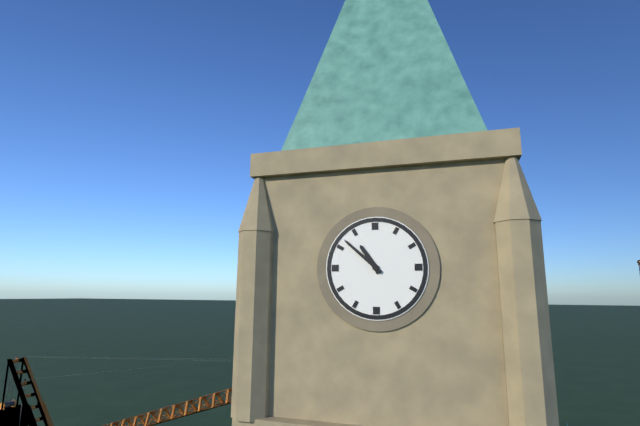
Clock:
10.52
